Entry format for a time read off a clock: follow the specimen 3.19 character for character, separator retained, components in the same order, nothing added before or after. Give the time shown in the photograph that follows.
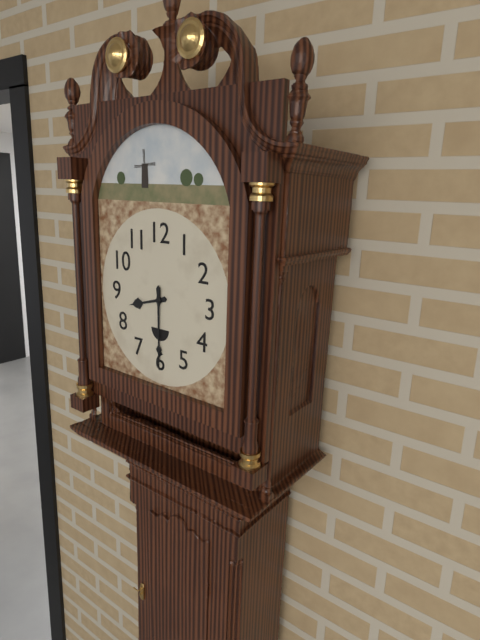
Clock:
8.30
